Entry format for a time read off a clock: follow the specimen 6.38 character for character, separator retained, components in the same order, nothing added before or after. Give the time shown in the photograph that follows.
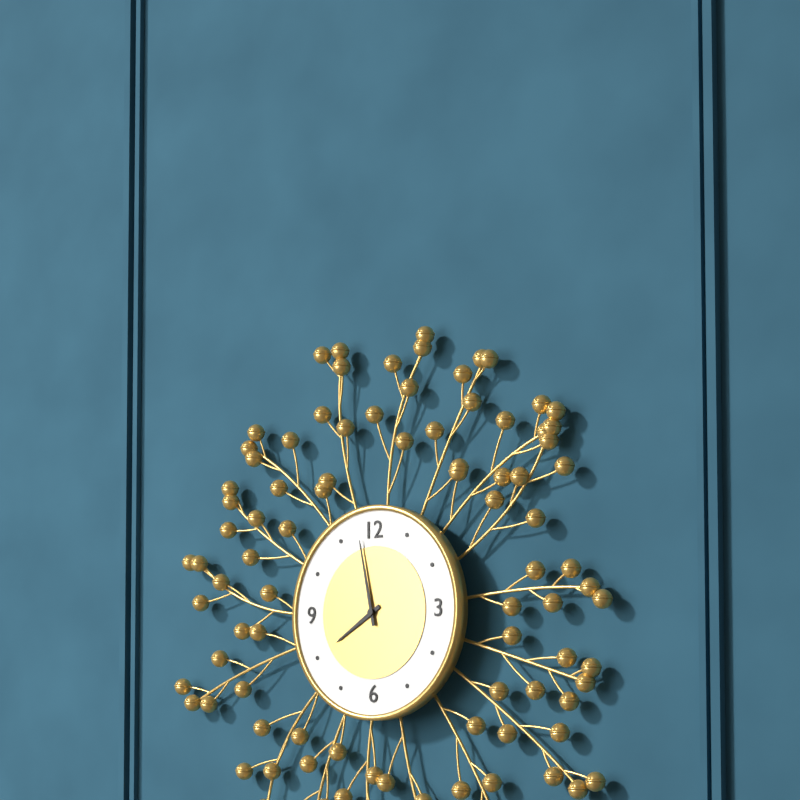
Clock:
7.58
